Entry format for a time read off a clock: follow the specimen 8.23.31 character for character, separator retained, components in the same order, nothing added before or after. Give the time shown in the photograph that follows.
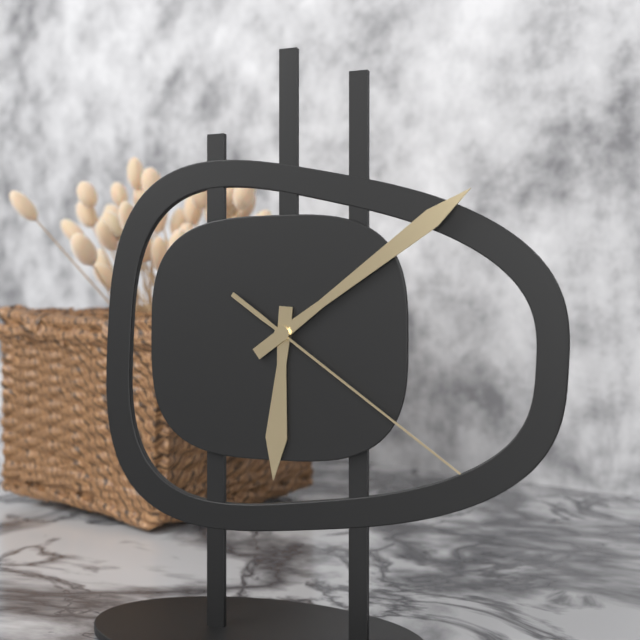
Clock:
6.09.21
